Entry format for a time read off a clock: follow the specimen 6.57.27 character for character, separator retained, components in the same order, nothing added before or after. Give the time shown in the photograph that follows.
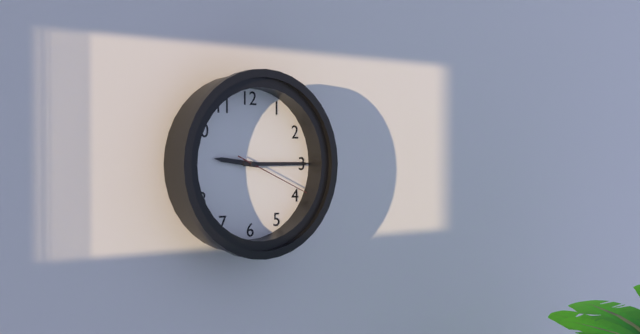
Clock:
9.15.19
